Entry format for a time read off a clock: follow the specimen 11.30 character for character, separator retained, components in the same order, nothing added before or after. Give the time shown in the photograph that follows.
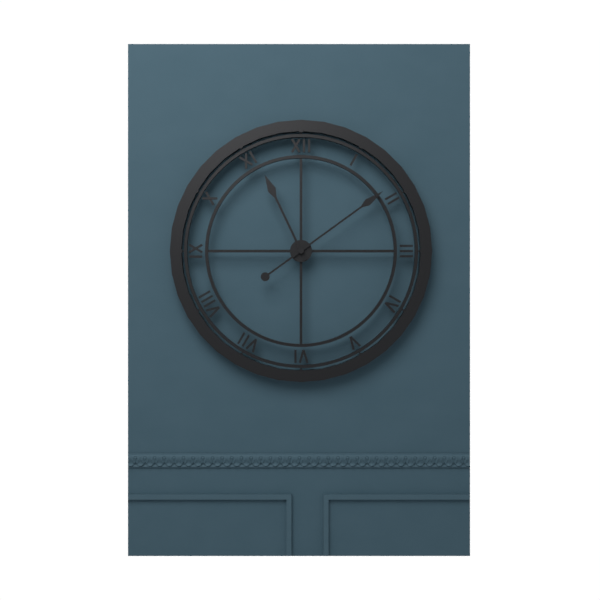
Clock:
11.09
